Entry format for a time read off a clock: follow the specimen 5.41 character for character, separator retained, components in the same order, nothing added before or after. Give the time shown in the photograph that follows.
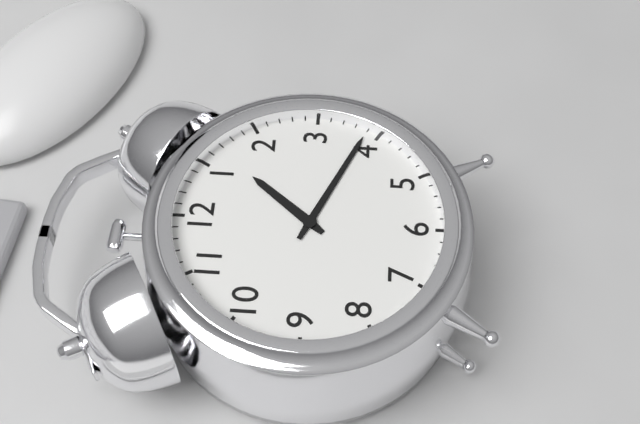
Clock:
1.19
